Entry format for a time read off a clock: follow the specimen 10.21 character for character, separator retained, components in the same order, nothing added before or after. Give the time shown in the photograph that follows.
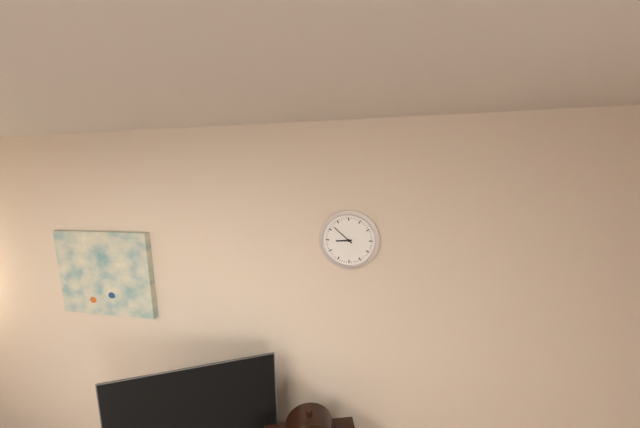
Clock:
8.52
